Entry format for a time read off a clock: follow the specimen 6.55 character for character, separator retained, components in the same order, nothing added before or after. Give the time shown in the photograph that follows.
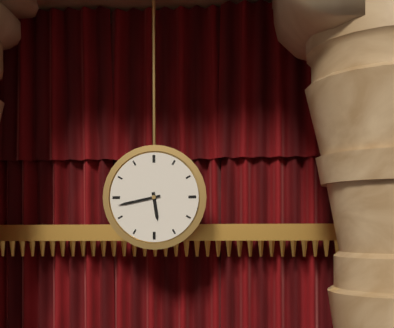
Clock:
5.43
